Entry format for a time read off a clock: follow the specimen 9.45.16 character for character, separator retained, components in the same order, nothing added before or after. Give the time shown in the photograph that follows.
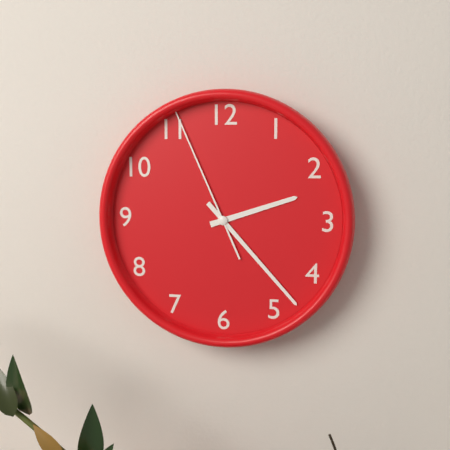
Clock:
2.23.56
